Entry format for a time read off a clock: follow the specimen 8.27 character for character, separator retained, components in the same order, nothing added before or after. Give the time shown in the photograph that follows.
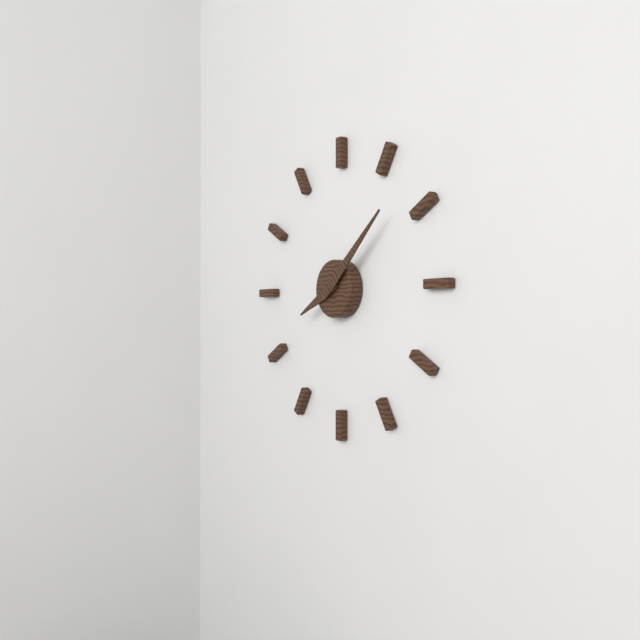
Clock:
8.08
